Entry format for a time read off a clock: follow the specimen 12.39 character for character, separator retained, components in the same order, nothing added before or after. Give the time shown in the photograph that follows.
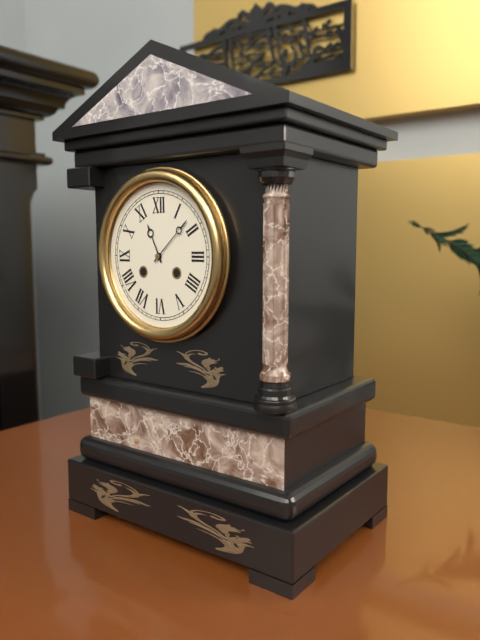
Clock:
11.08
